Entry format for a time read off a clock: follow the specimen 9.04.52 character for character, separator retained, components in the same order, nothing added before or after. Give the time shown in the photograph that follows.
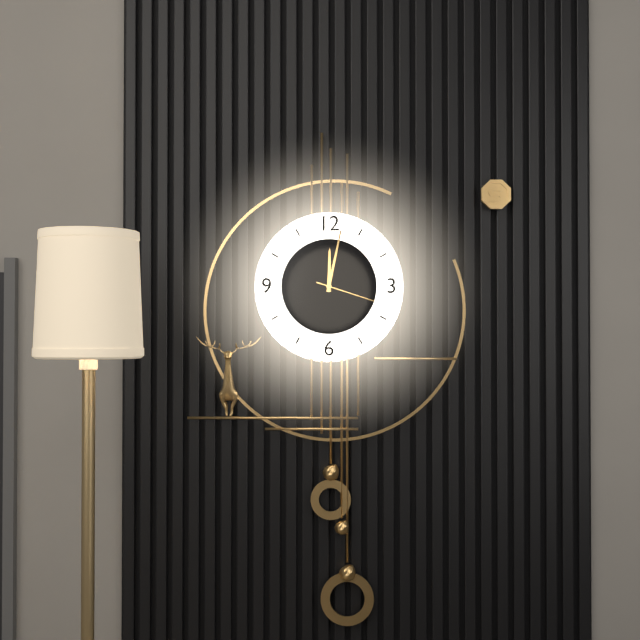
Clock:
12.02.18
